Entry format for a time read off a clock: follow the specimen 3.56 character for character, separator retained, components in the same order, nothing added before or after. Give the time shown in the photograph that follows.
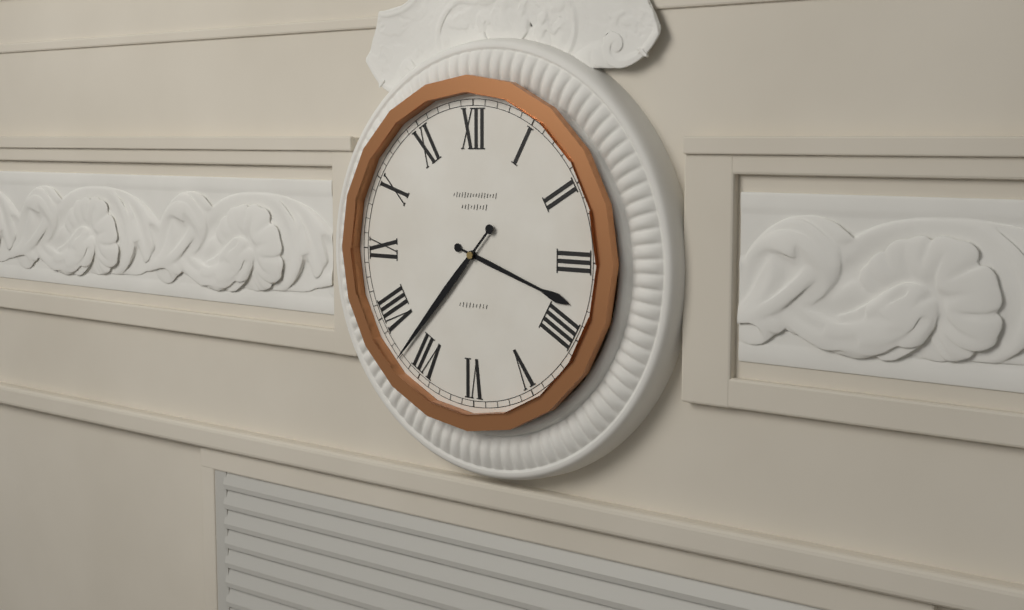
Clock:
3.37
